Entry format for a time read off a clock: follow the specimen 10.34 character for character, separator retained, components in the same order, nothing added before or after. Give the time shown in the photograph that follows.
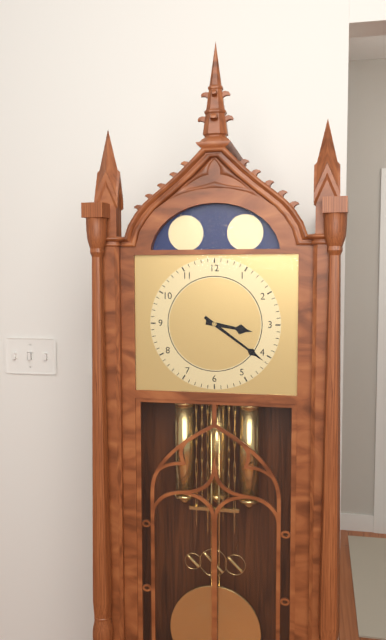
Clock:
3.21
